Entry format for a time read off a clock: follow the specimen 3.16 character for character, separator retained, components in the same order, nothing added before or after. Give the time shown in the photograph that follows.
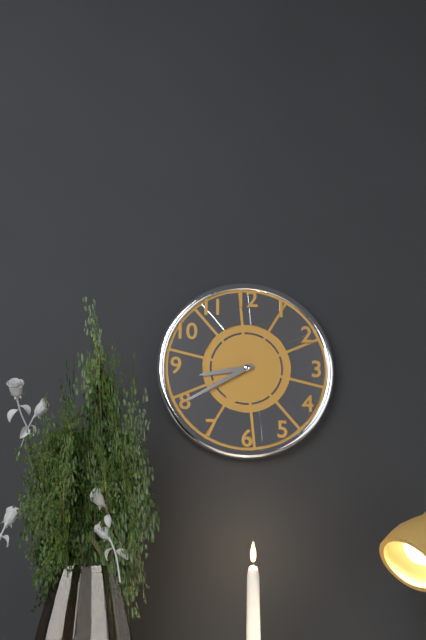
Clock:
8.40
